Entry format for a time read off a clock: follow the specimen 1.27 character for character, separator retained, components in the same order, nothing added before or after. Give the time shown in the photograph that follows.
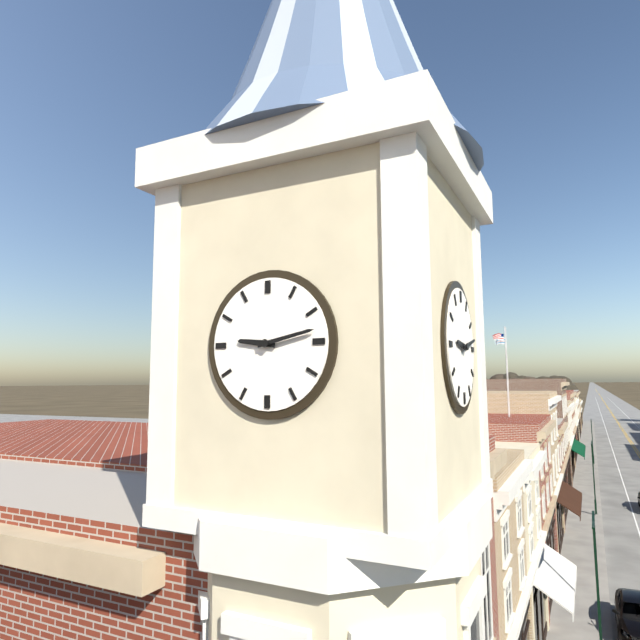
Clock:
9.13
